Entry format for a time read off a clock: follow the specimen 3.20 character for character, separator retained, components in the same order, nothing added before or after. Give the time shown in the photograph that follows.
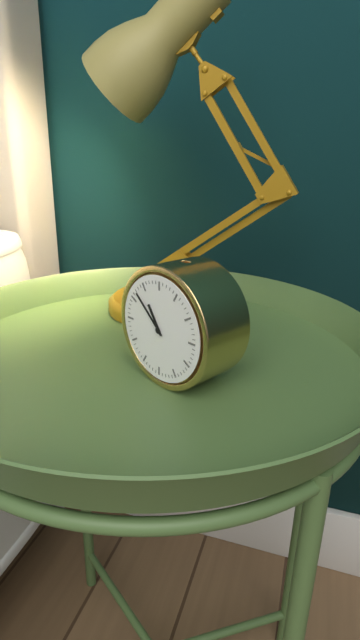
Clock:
10.52
